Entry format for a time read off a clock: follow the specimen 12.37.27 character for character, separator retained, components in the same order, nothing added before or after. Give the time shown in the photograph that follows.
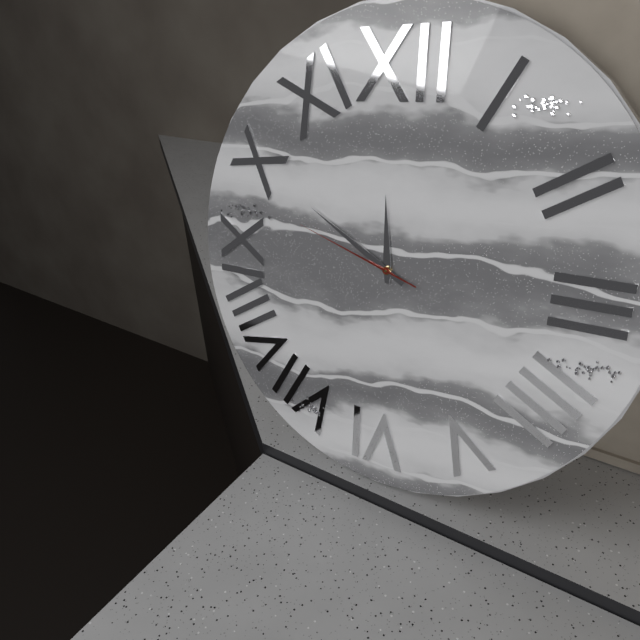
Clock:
11.50.48
